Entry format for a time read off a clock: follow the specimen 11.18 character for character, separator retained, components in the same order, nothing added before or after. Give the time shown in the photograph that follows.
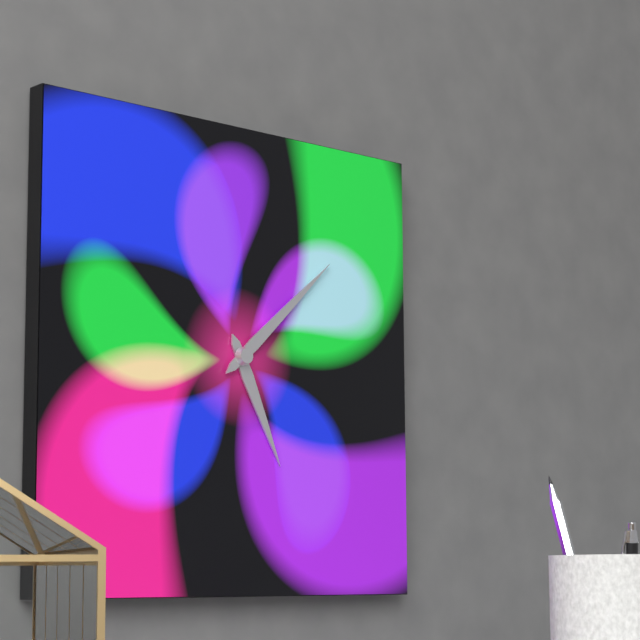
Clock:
5.08
